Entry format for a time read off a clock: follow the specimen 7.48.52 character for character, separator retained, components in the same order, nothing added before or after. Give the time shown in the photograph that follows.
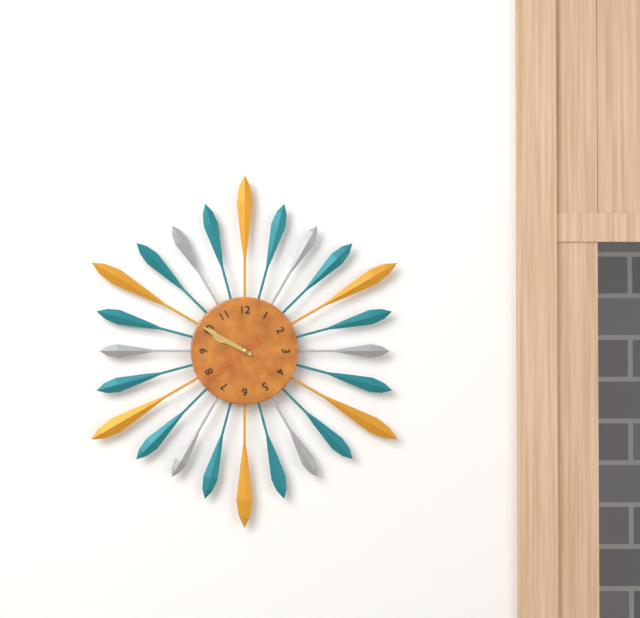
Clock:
9.50.39
